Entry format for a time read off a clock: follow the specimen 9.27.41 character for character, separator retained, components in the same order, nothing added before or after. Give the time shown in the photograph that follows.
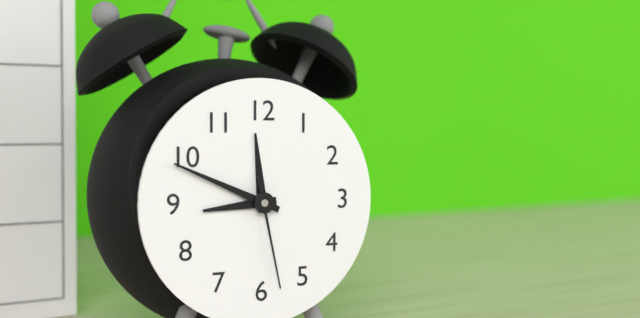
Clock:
8.49.28
